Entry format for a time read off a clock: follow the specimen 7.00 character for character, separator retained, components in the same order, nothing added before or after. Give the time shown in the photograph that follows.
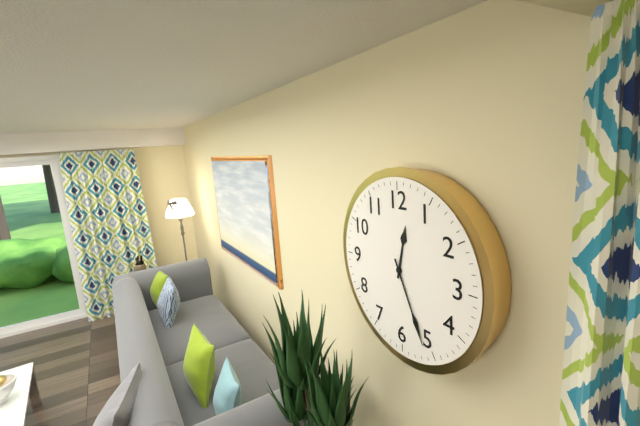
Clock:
12.26
